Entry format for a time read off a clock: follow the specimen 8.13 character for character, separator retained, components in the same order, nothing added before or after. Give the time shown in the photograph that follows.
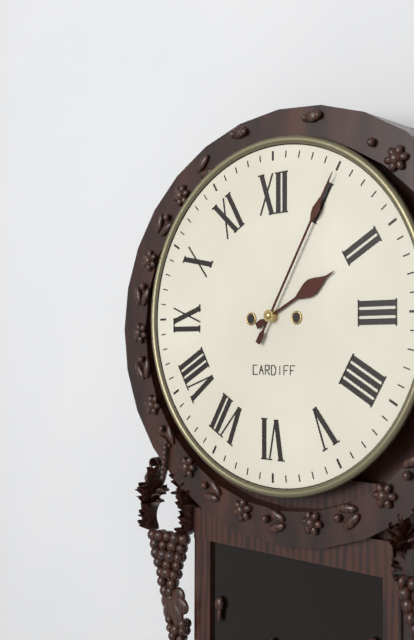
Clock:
2.05
